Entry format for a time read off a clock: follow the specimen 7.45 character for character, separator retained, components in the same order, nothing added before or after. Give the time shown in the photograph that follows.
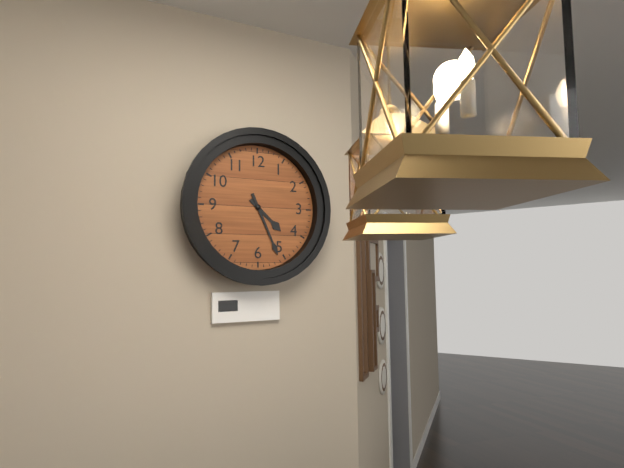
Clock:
4.26
